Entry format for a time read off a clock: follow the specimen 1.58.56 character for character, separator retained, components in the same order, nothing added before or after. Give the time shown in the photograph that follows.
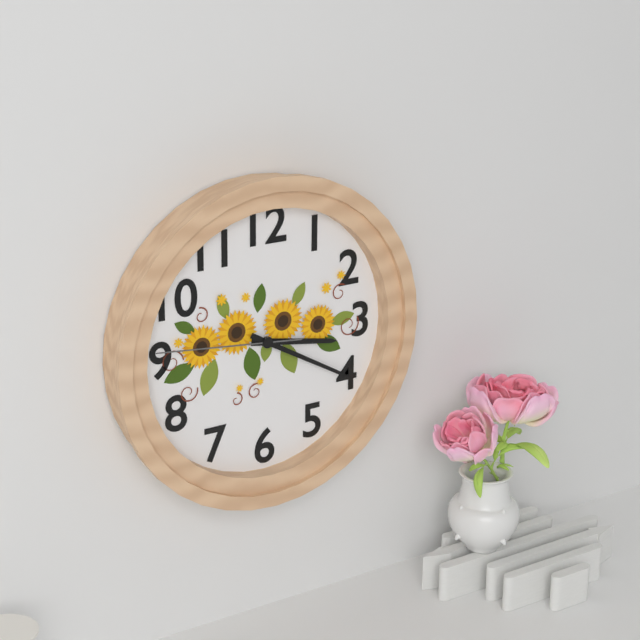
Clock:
3.20.46
